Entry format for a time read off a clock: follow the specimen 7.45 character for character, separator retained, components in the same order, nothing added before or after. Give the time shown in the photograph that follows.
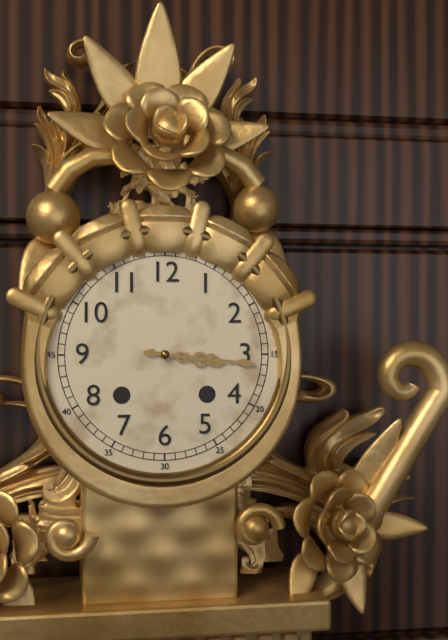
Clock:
3.16
